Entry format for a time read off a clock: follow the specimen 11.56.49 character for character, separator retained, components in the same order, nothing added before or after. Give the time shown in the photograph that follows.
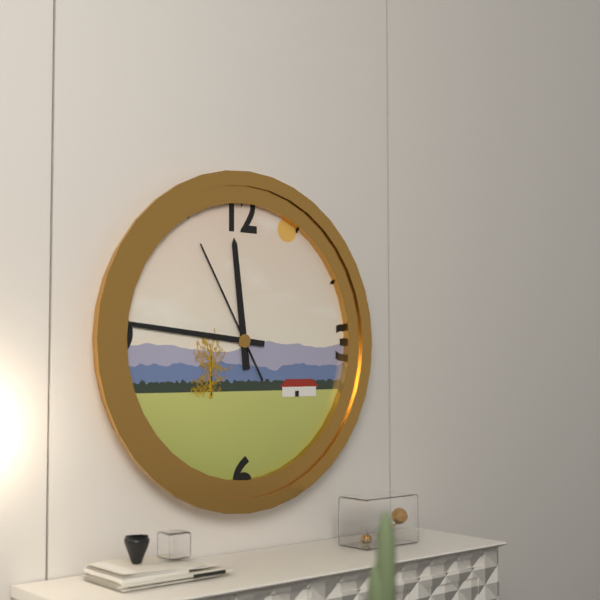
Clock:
11.46.55
